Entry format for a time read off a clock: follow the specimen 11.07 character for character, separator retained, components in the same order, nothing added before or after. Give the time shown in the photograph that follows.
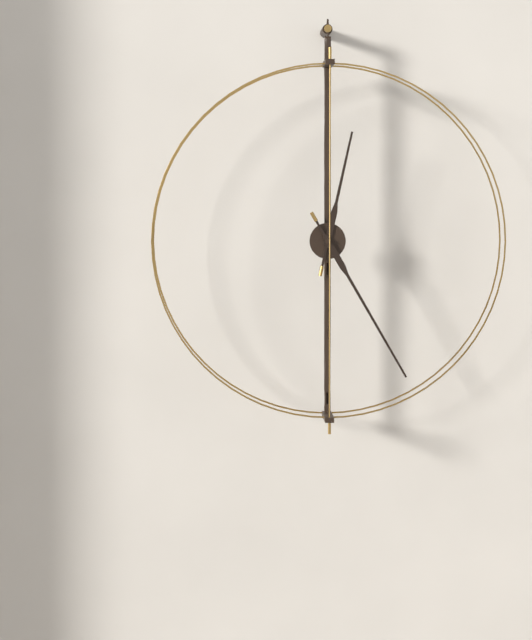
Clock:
12.25
